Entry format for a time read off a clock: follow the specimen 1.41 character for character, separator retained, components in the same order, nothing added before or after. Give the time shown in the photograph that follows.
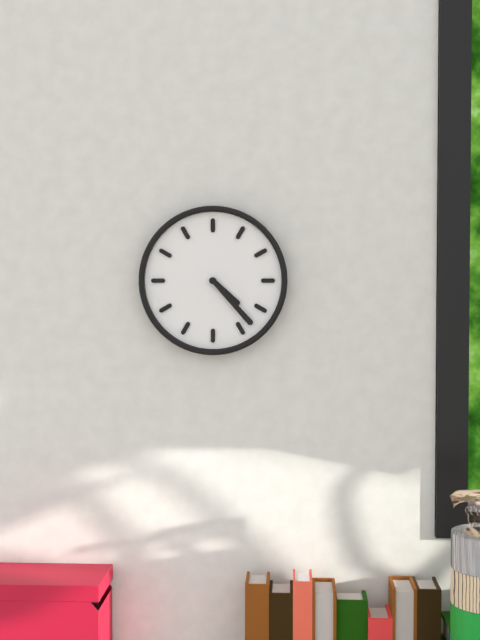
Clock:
4.23
